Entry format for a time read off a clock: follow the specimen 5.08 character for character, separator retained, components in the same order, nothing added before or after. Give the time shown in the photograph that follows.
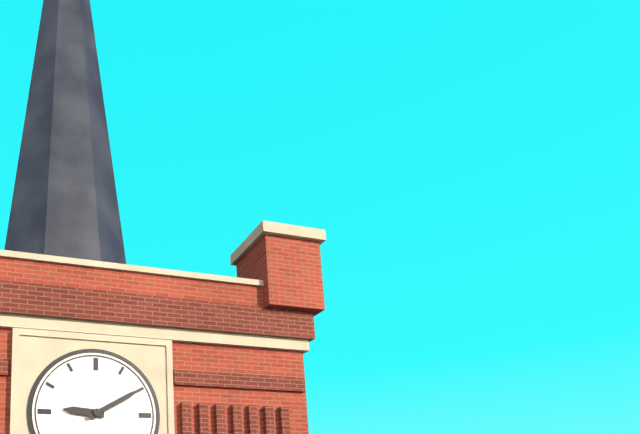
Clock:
9.10
